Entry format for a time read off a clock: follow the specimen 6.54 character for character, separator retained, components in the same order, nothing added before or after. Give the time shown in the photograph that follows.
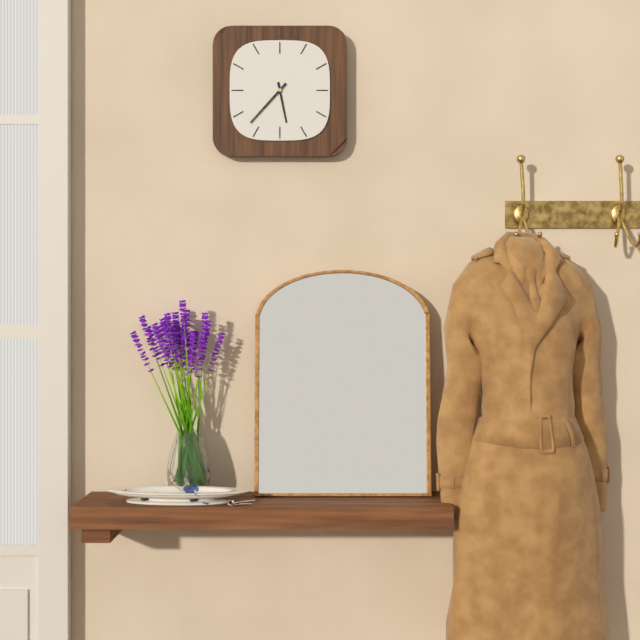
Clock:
5.37
